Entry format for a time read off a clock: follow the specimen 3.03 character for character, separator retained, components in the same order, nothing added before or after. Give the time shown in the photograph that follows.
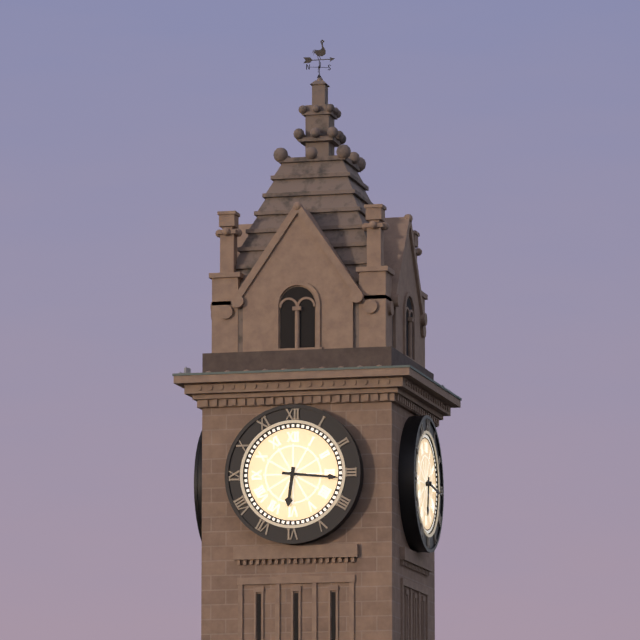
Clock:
6.16
